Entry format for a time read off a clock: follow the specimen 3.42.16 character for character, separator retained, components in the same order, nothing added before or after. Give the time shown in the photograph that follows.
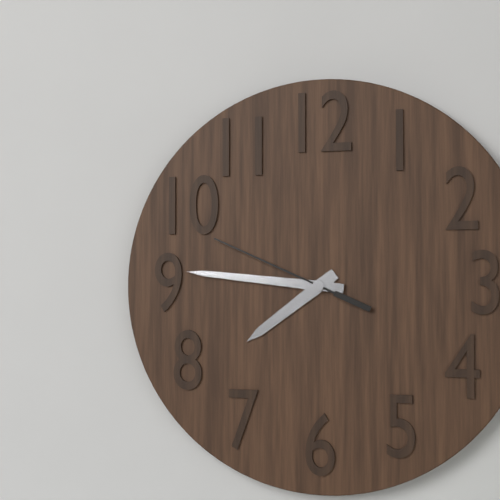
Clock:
7.46.49
